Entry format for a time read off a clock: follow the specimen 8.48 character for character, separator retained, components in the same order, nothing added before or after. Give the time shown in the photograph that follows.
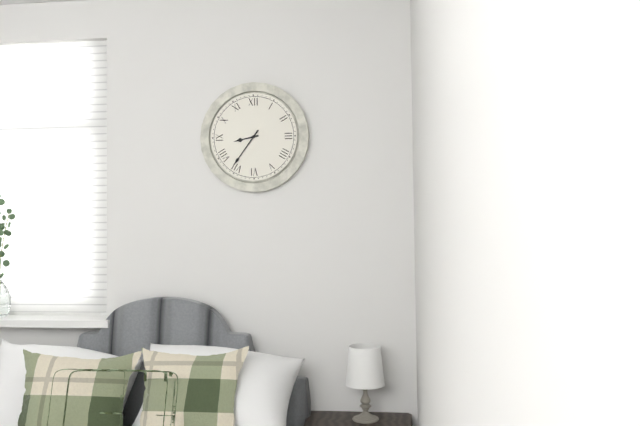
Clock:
8.36
